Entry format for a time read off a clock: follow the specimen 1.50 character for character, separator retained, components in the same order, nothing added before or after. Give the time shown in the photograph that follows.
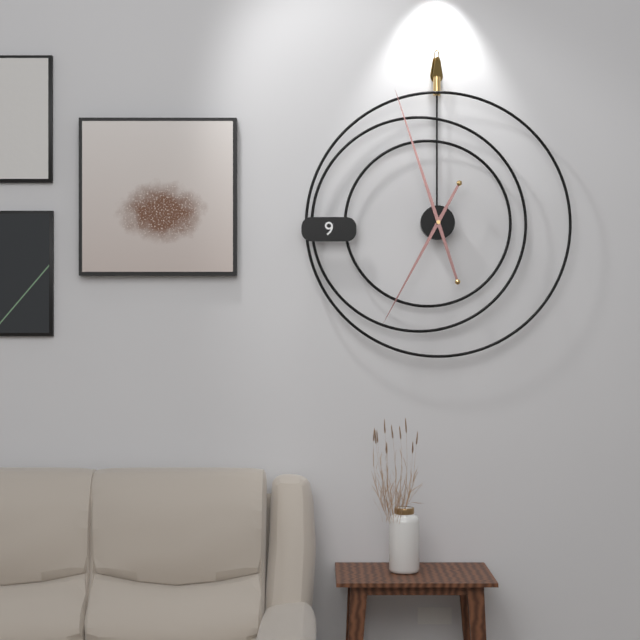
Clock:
6.57
